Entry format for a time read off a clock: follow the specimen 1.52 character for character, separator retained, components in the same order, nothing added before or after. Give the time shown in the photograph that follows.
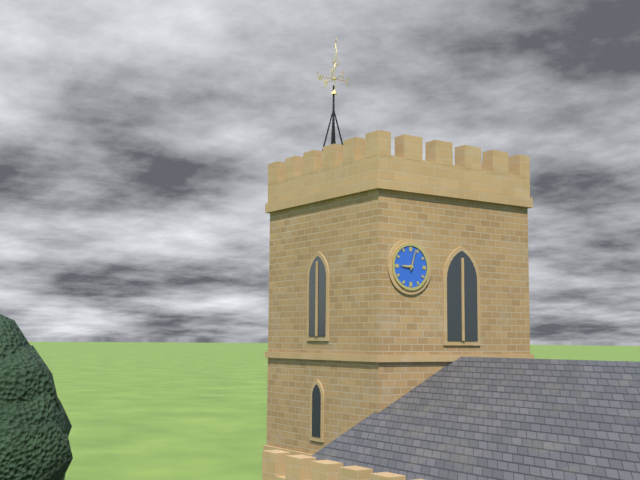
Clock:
9.03
